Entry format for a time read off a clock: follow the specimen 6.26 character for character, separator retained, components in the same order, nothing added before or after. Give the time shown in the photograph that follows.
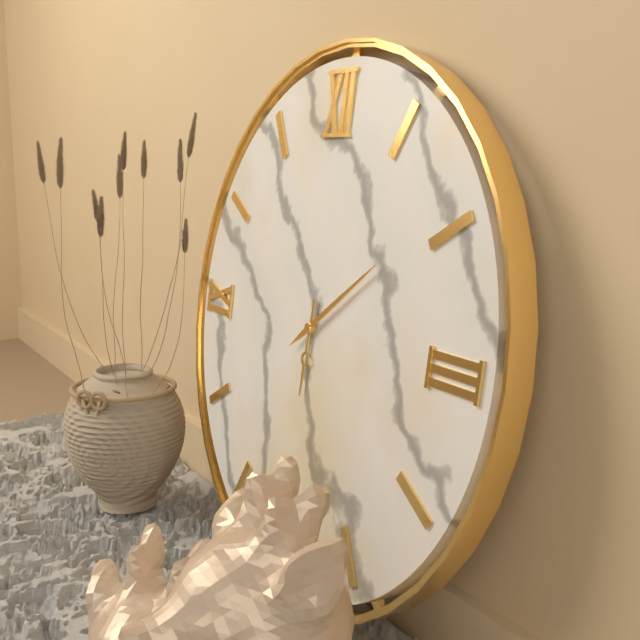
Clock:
6.09
